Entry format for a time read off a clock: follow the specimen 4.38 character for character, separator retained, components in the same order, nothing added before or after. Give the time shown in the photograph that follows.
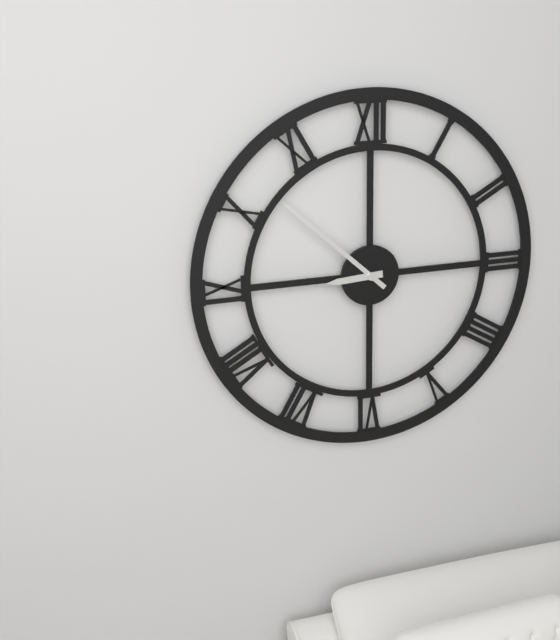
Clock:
8.52
